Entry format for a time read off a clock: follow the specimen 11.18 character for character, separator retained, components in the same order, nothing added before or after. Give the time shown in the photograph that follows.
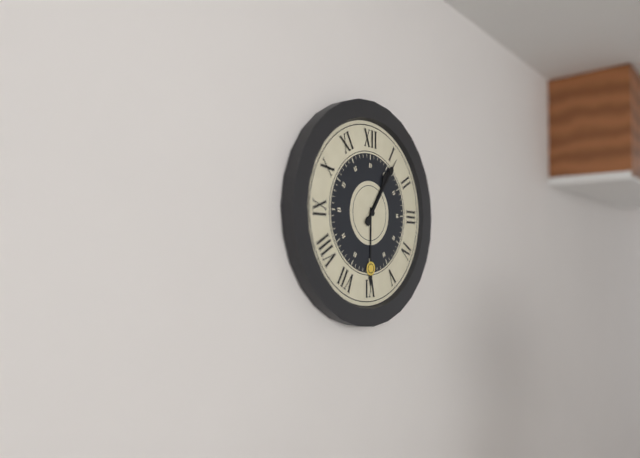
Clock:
1.06
